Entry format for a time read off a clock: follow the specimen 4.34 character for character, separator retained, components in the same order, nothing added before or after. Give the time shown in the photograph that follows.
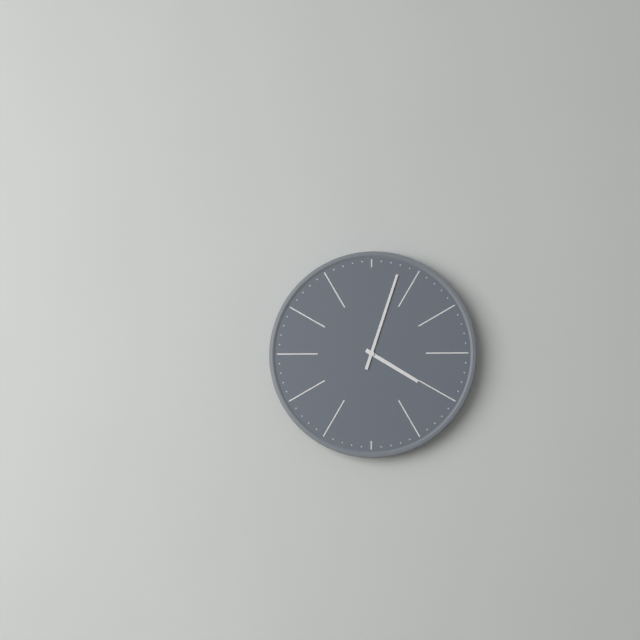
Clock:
4.03
